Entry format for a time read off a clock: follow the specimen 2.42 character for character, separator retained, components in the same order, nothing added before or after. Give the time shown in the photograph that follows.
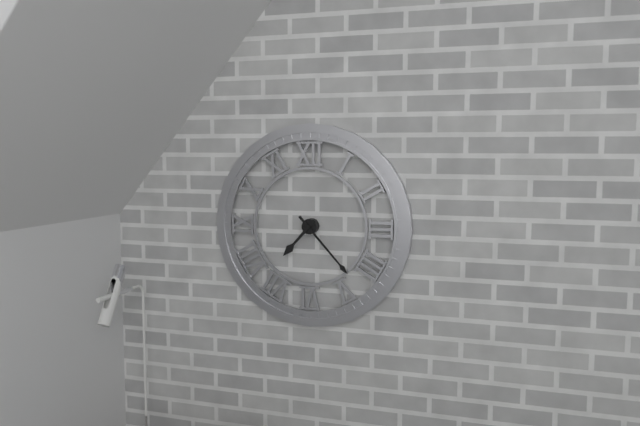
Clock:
7.23
